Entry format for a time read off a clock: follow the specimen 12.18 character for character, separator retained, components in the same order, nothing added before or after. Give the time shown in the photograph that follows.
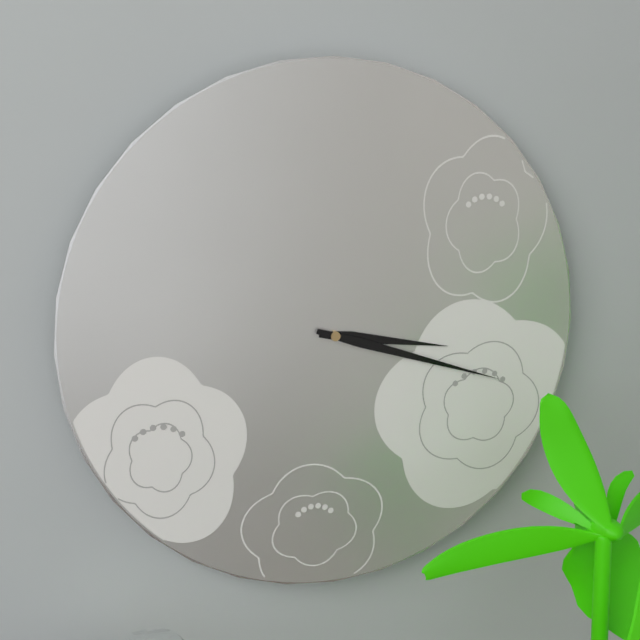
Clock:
3.18
